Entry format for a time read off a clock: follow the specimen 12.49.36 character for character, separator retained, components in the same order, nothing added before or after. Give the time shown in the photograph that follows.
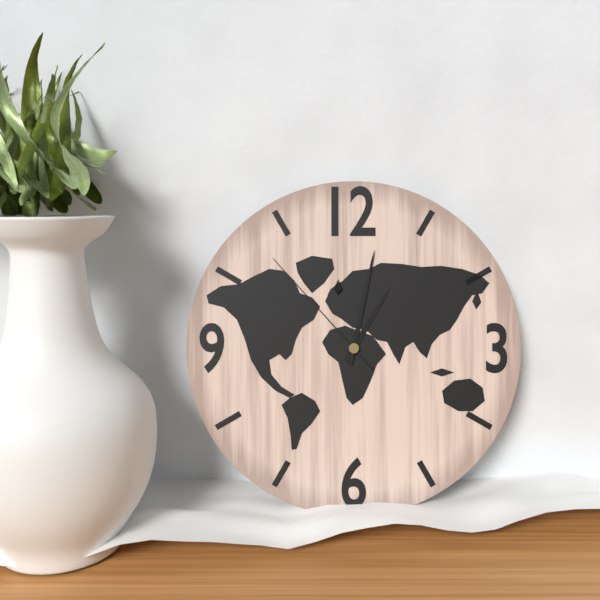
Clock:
1.02.53
